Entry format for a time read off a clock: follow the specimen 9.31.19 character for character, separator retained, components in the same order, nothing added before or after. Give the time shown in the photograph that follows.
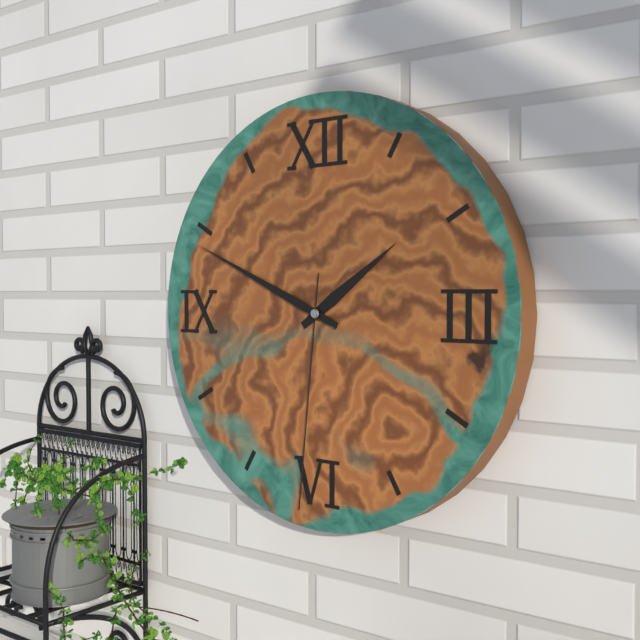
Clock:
1.49.31
